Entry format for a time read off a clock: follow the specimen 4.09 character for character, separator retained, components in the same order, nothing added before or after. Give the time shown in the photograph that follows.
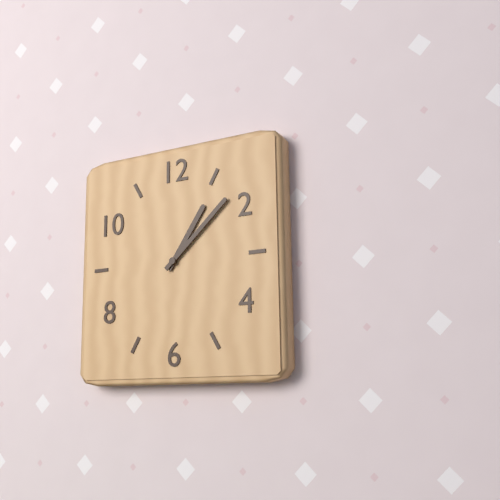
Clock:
1.08
